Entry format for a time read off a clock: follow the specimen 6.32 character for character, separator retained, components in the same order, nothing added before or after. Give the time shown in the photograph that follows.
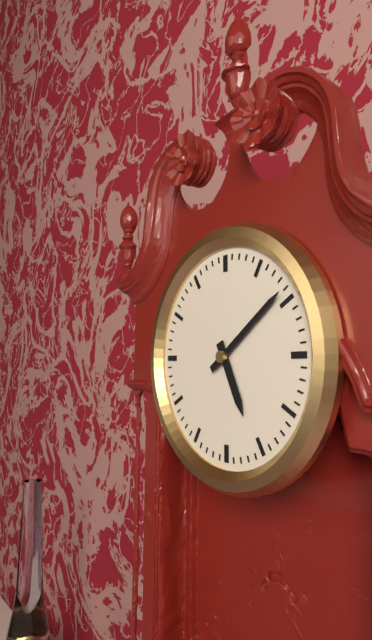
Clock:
5.09
